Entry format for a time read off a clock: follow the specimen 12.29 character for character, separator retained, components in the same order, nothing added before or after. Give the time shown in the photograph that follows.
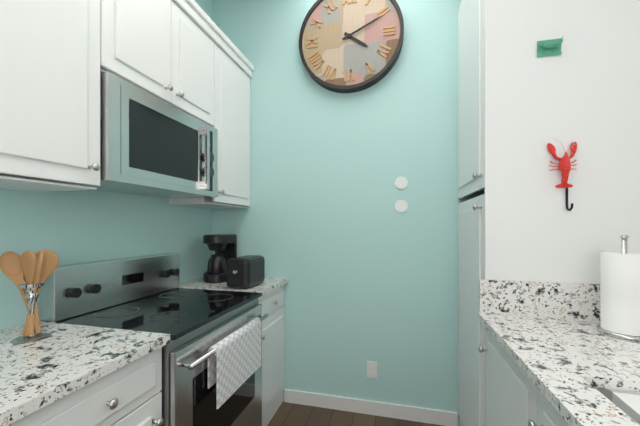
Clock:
4.11
